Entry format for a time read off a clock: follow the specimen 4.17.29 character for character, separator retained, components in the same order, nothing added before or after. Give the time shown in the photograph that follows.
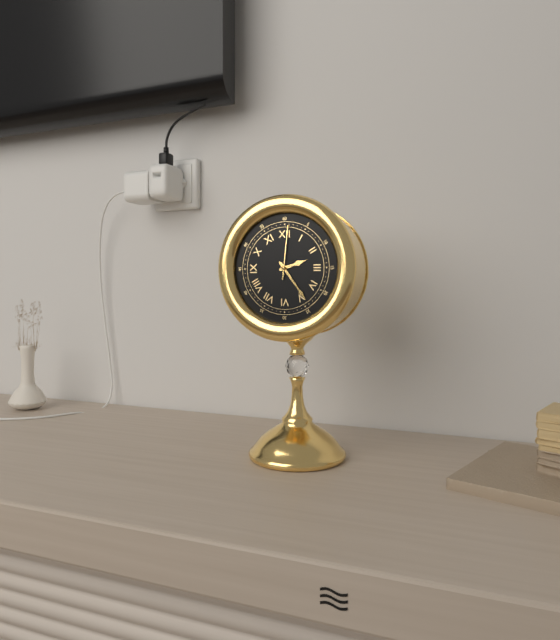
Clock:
2.24.01
